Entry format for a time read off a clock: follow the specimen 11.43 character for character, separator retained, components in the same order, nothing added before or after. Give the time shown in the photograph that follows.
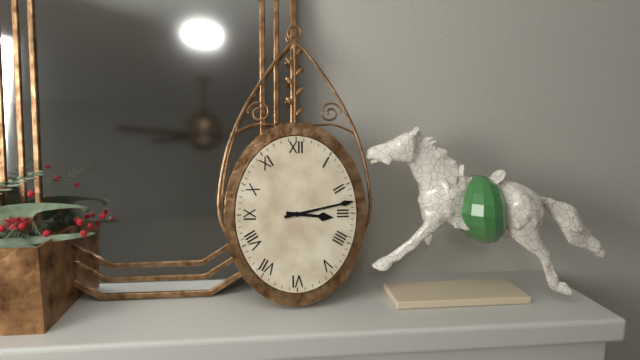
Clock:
3.13
